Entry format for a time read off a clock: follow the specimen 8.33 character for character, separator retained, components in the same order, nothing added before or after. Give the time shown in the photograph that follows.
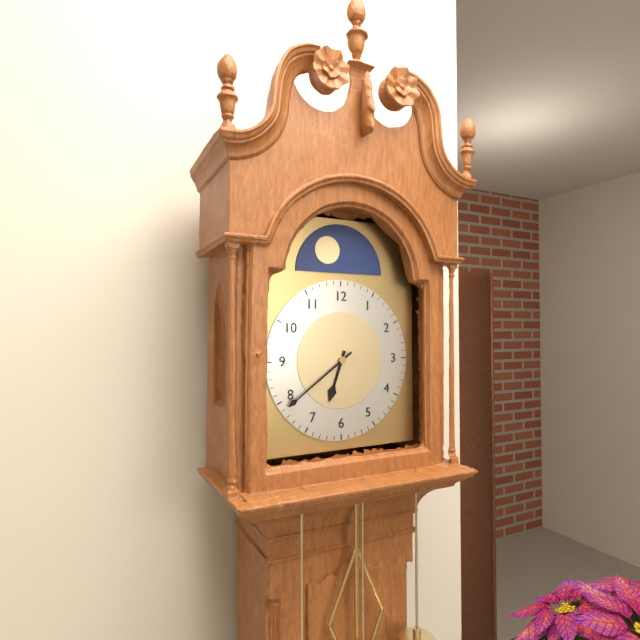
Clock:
6.39
